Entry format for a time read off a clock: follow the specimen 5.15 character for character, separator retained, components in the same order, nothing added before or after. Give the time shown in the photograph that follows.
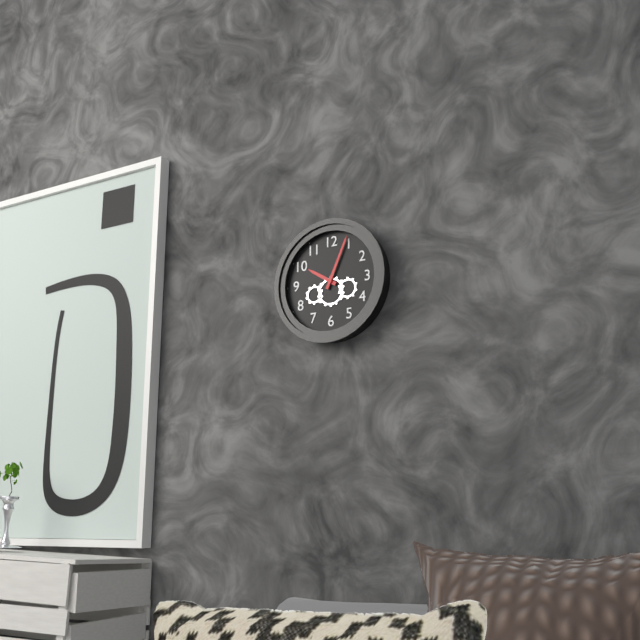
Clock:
10.04
